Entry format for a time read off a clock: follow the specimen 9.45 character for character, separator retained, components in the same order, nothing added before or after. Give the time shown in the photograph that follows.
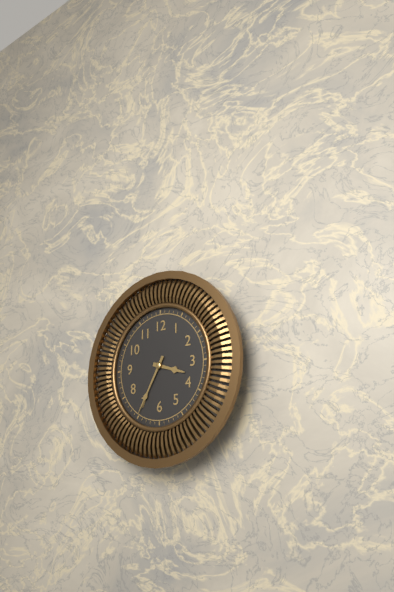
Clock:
3.35
